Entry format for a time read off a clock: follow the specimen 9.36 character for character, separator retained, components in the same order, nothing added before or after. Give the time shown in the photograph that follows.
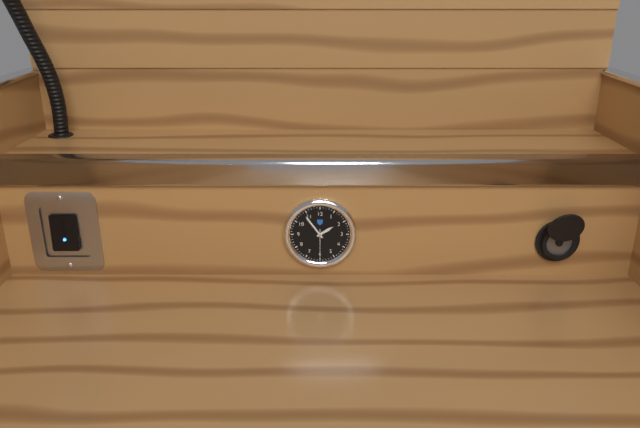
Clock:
1.54
